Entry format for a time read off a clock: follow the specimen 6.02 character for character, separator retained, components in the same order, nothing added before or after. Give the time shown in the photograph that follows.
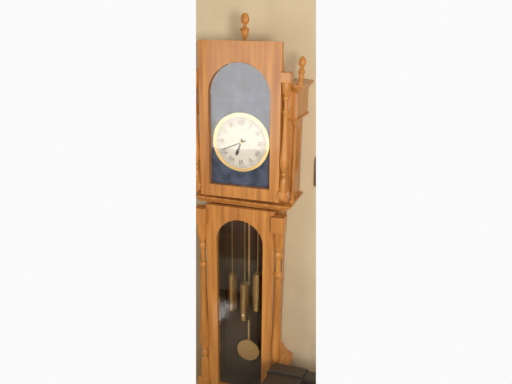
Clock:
6.41
